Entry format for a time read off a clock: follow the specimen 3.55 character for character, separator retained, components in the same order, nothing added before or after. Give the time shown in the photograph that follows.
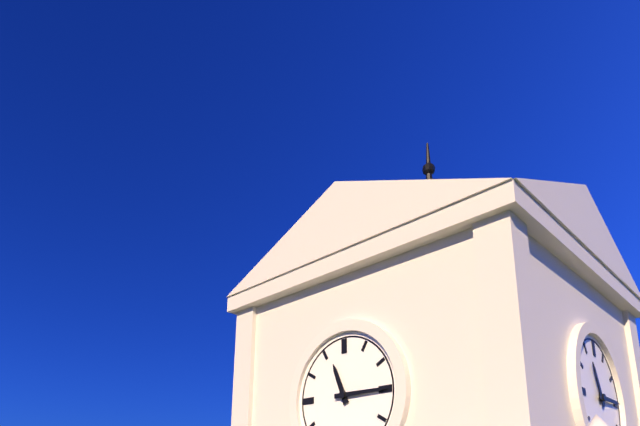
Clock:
11.15
